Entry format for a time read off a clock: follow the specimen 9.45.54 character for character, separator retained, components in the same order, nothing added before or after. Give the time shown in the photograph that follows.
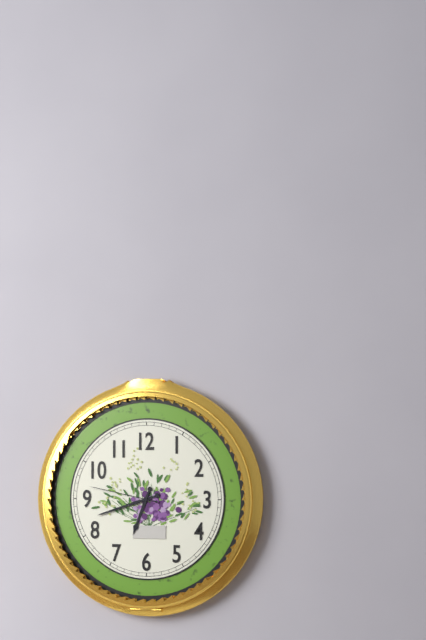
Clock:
6.42.47
